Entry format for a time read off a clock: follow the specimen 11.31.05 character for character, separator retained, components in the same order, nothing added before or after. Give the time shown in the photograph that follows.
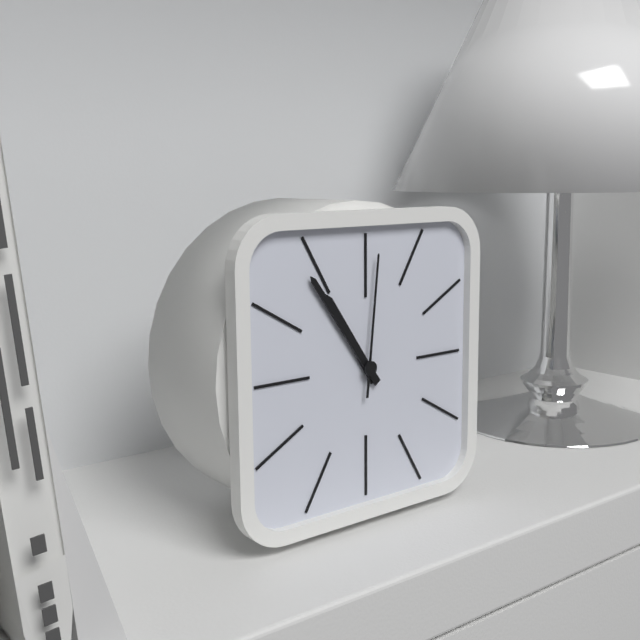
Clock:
10.54.01
